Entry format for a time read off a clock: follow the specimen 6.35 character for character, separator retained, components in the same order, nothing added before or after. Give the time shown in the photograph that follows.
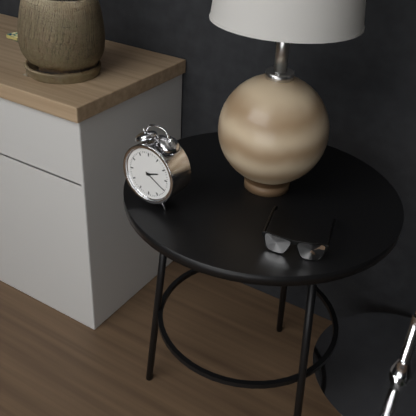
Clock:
2.20
